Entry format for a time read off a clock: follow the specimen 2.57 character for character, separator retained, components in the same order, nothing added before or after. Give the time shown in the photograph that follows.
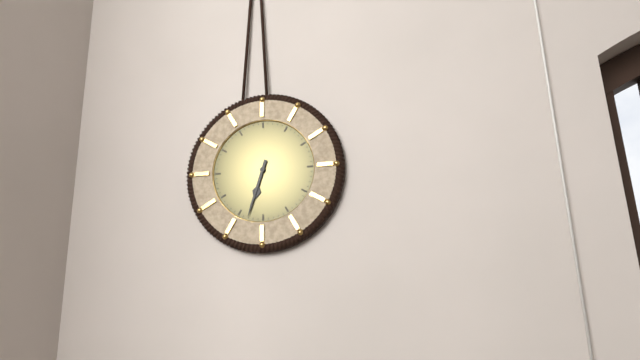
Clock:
6.33
